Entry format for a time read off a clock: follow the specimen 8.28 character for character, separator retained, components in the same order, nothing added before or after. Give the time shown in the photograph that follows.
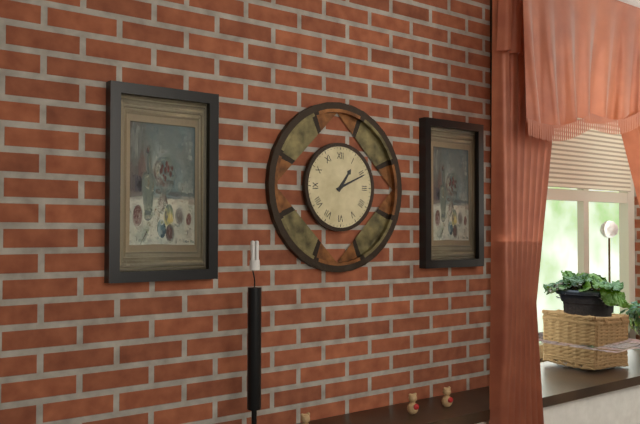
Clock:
1.11
